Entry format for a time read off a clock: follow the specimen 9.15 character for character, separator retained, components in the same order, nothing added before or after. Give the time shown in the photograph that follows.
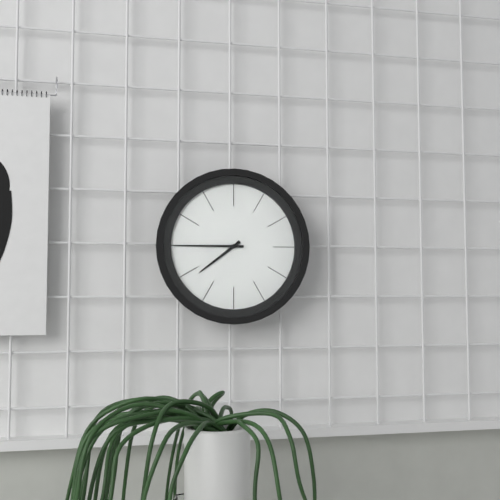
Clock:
7.45
